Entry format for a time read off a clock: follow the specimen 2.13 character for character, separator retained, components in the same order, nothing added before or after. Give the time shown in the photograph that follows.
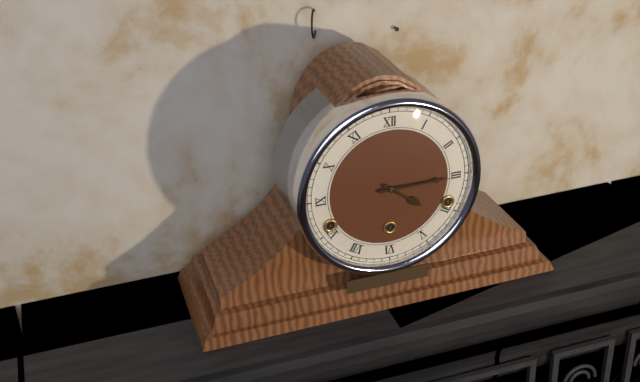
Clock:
4.15
